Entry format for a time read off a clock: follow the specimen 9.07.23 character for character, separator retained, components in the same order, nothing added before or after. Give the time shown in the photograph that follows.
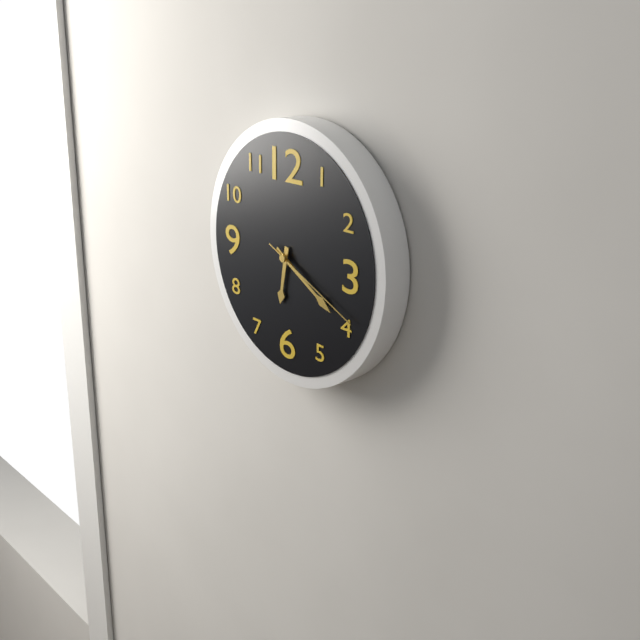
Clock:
6.20.19
